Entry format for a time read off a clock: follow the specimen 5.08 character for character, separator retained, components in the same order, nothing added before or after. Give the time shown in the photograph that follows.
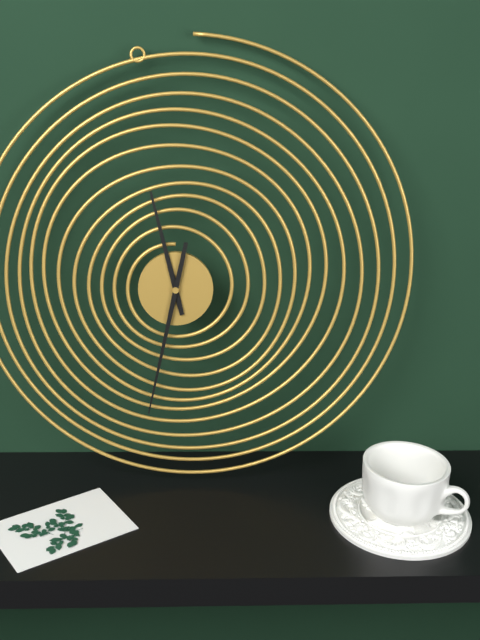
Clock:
11.32
